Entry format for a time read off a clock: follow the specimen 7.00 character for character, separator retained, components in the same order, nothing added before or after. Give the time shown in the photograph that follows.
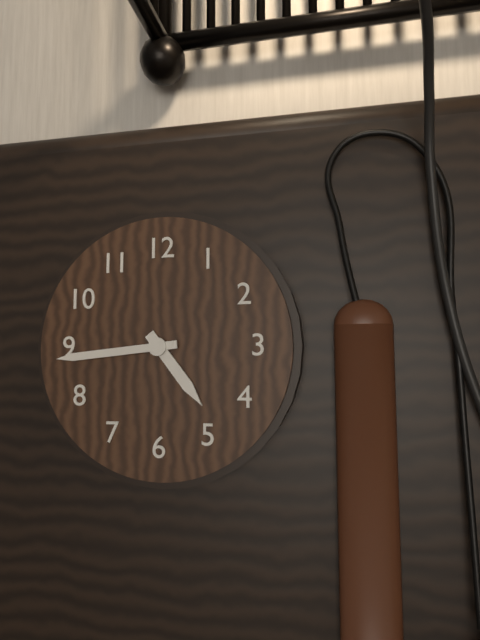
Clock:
4.44
